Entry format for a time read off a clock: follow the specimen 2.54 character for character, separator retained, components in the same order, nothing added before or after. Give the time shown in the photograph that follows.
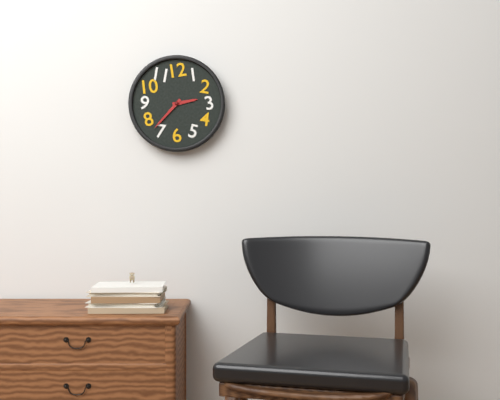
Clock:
2.37
